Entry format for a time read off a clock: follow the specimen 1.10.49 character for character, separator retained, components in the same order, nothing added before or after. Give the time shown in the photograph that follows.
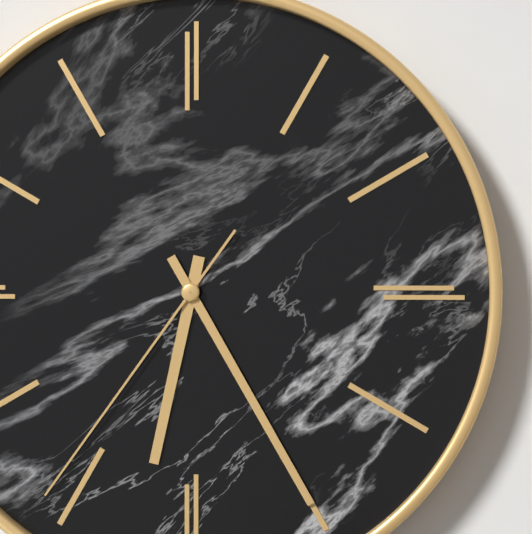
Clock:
6.25.36
